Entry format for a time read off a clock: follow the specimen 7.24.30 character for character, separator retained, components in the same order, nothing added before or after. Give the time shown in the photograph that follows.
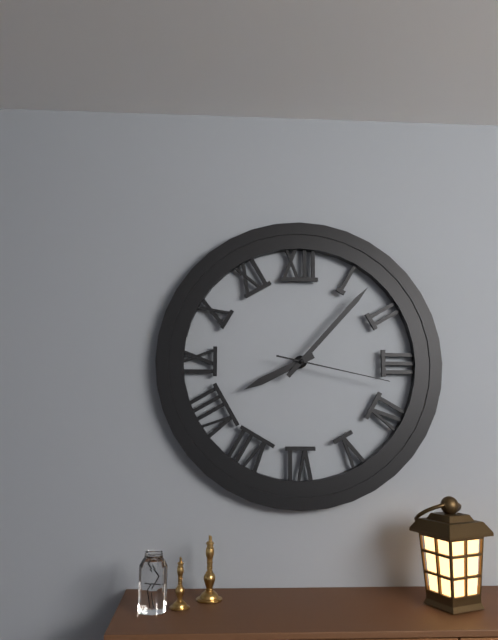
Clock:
8.07.17
